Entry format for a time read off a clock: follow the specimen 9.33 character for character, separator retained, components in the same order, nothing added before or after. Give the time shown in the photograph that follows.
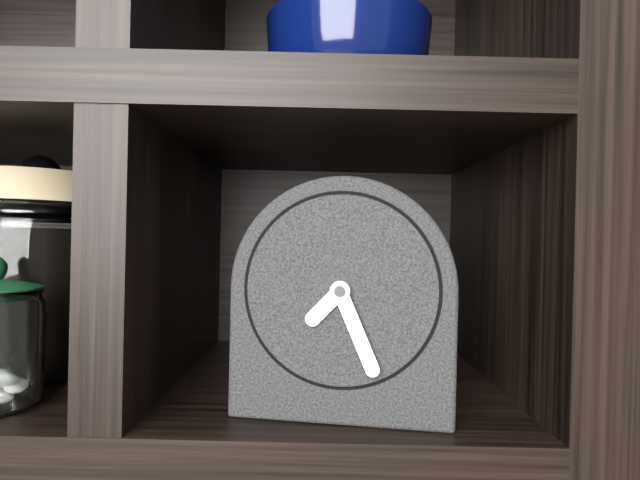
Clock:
7.26
